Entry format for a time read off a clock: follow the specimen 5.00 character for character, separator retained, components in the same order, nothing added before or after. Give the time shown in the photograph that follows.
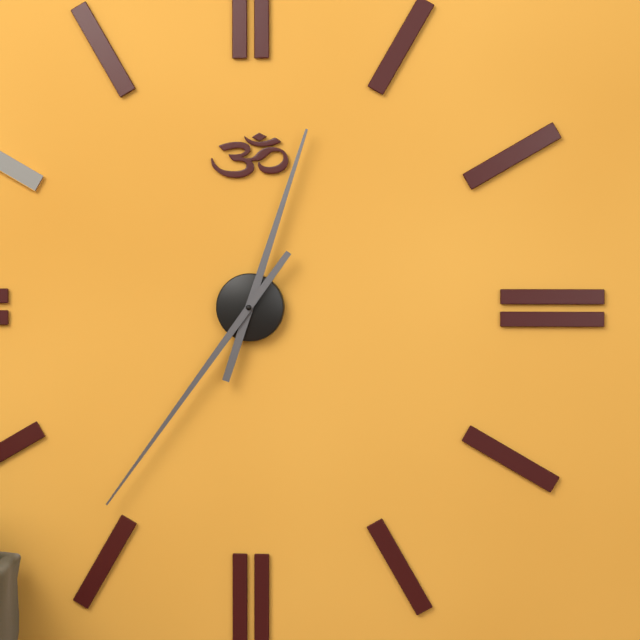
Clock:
12.36
